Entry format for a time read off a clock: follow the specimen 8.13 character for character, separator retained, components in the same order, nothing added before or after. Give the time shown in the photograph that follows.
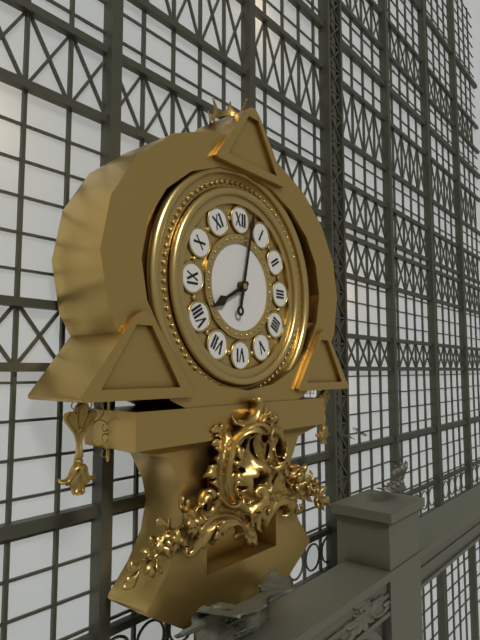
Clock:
8.02
